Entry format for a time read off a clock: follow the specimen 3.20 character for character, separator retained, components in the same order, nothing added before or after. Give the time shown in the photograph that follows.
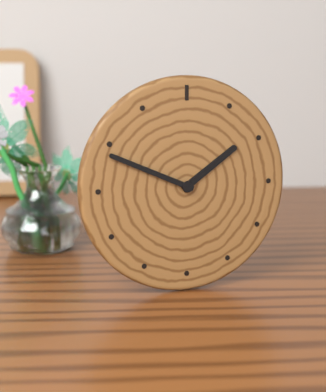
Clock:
1.49
